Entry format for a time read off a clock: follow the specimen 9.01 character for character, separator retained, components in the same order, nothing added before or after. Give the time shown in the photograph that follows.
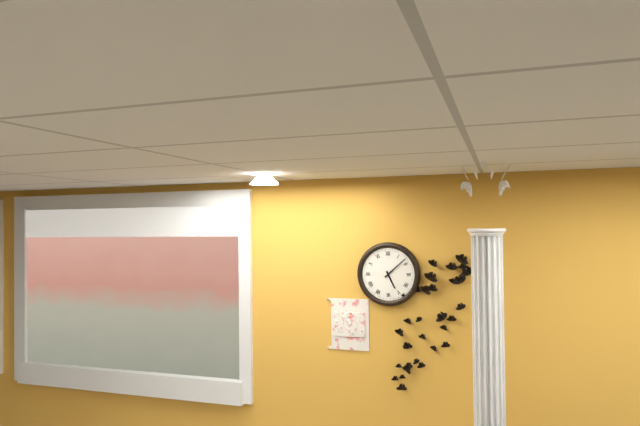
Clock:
5.08
